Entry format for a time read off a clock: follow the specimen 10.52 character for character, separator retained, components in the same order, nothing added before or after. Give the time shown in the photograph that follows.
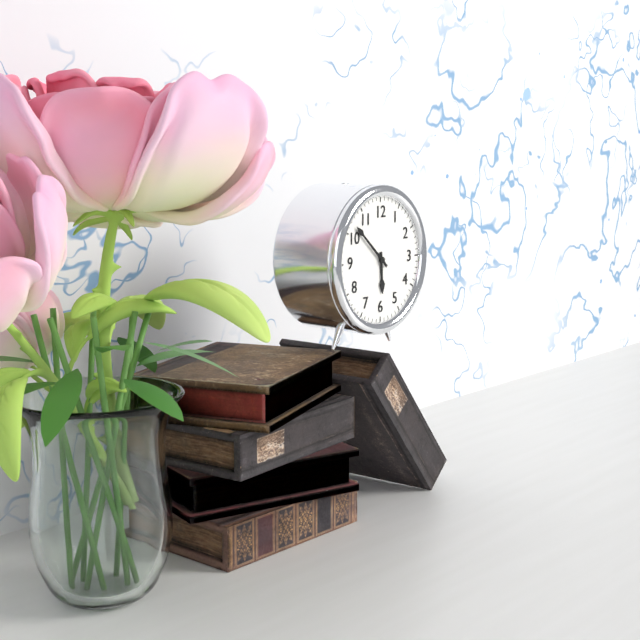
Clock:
5.52
